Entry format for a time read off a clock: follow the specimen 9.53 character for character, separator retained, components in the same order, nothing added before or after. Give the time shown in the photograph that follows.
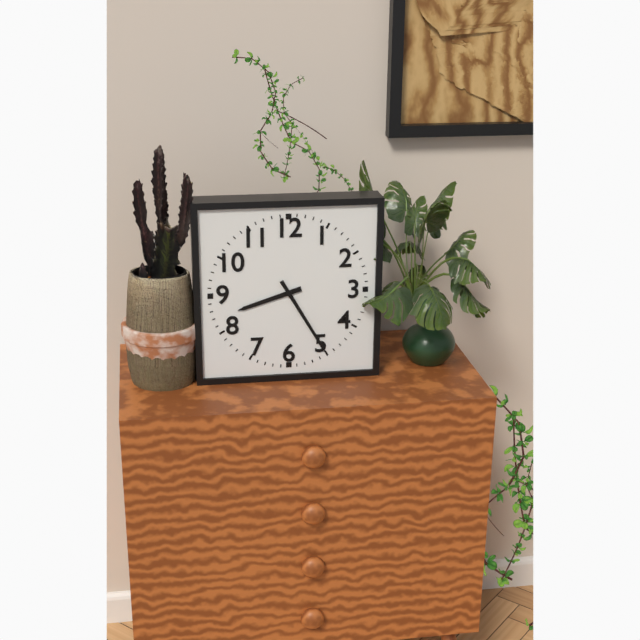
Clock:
8.25
